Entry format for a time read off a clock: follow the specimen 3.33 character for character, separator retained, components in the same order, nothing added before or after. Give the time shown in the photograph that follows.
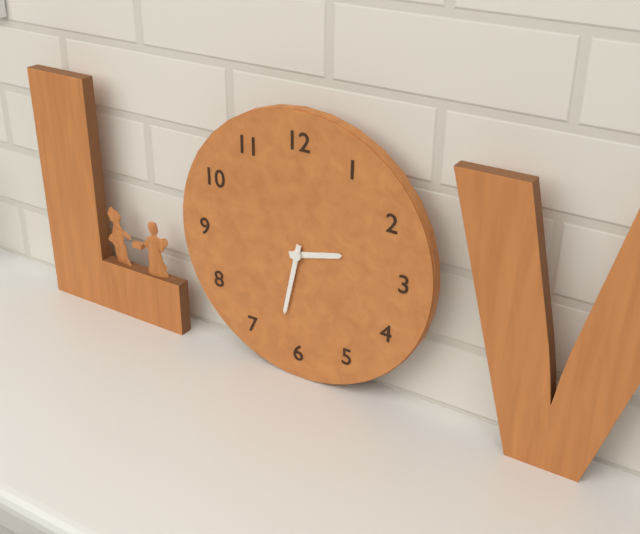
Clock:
2.32
